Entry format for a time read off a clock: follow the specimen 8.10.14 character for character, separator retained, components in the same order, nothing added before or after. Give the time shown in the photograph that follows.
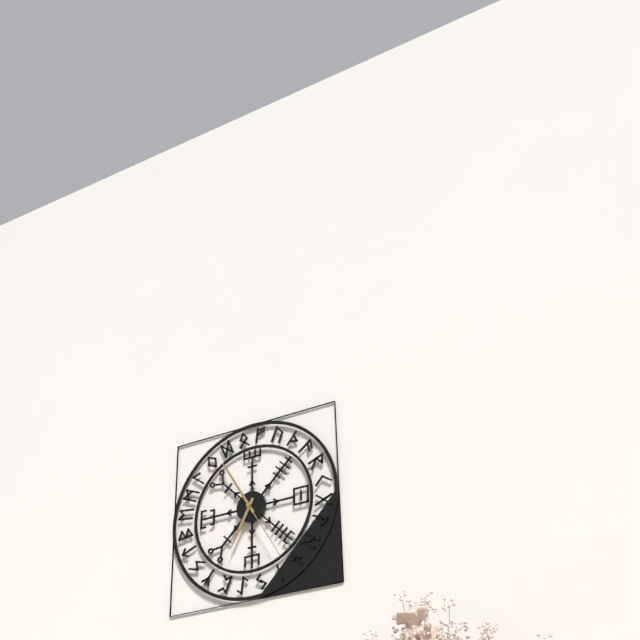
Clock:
6.55.25
